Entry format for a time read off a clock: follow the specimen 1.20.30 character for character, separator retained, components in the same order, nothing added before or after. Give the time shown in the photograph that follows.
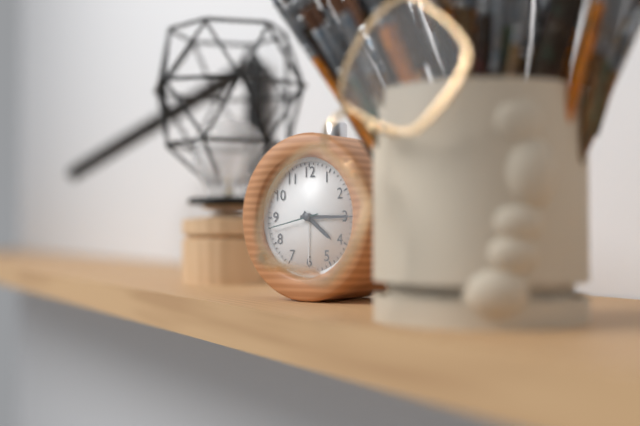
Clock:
4.15.43
